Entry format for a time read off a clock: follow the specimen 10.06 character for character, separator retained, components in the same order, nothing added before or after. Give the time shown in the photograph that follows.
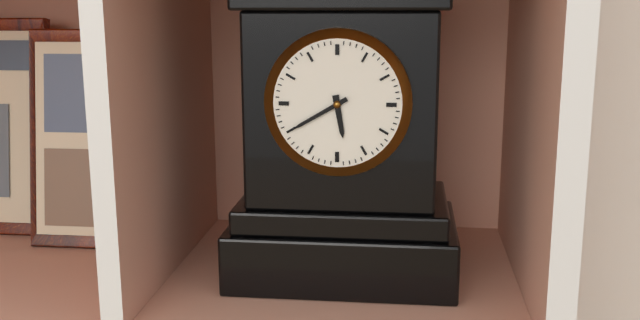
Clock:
5.40
